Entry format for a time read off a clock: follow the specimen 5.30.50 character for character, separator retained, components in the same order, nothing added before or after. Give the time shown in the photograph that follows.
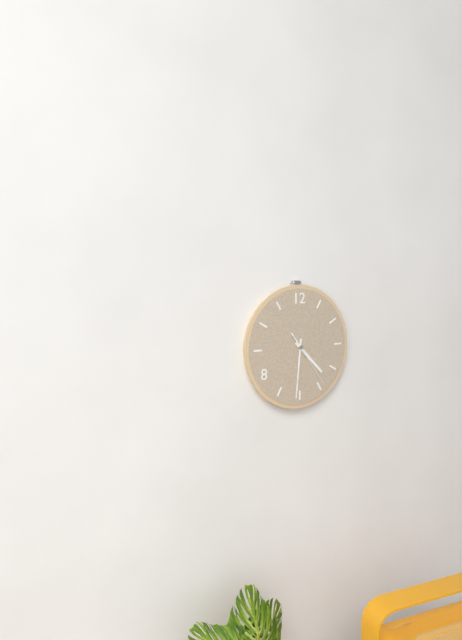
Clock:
4.31.24
